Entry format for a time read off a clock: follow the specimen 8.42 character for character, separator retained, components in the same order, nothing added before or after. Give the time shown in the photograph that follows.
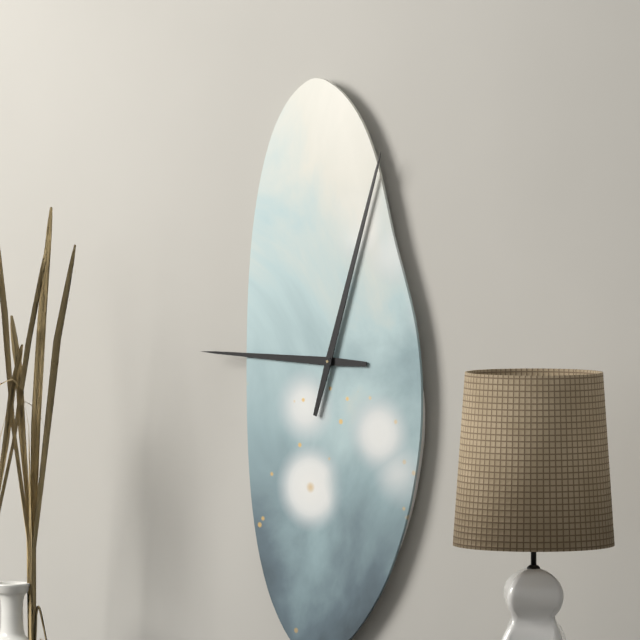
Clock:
9.03
